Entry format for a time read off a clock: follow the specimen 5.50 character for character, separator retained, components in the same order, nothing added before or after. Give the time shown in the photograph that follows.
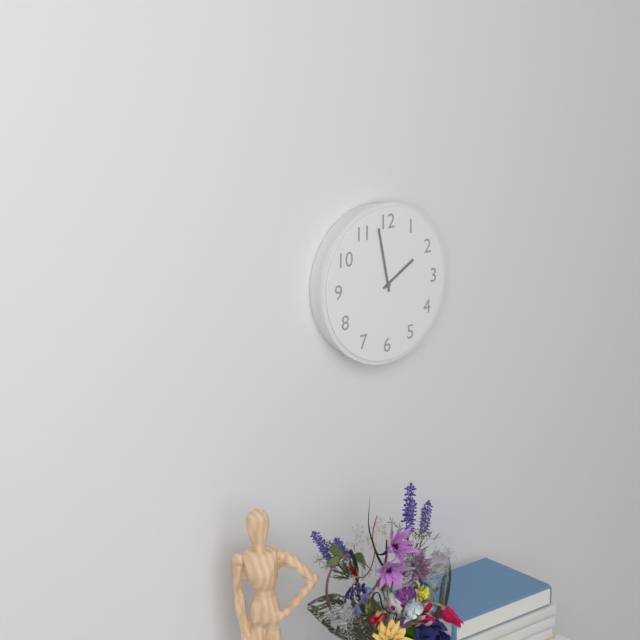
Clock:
1.58
